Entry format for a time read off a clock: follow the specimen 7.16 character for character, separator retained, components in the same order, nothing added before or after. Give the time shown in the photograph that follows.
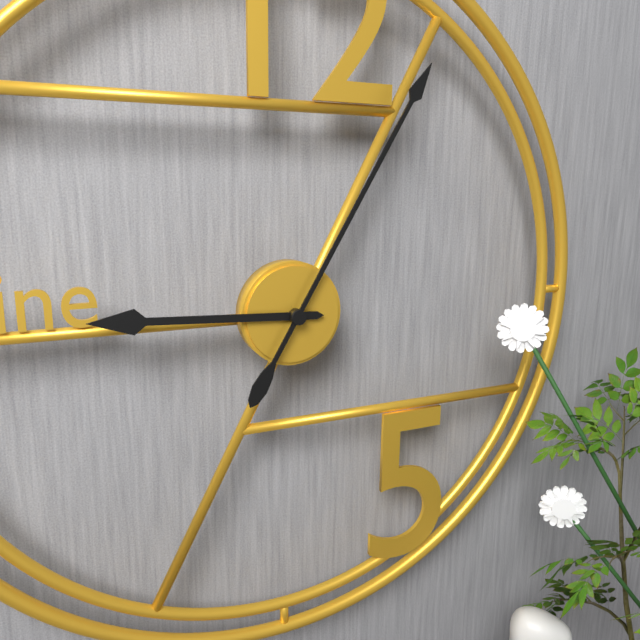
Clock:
9.05
